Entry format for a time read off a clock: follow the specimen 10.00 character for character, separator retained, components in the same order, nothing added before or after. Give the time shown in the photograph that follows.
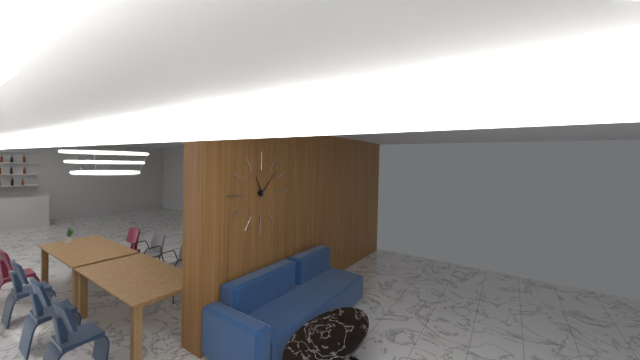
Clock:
11.07
